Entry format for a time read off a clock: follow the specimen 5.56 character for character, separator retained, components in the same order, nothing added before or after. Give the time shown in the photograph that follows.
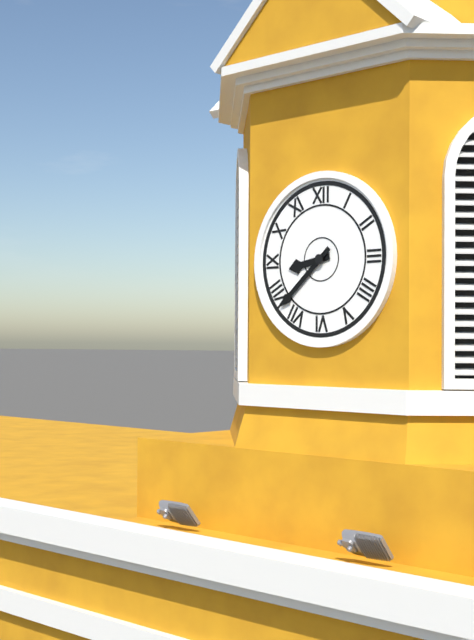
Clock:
8.38
